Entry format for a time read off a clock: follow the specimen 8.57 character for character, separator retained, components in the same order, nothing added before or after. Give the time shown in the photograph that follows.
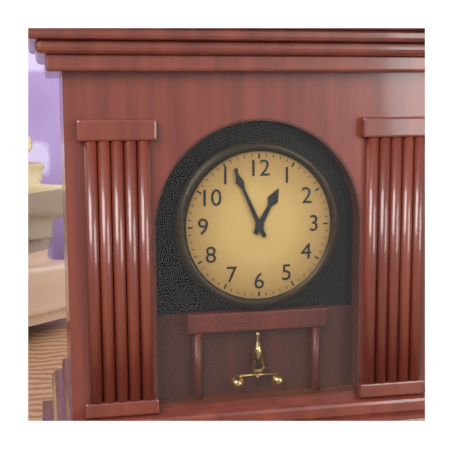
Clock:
12.56
